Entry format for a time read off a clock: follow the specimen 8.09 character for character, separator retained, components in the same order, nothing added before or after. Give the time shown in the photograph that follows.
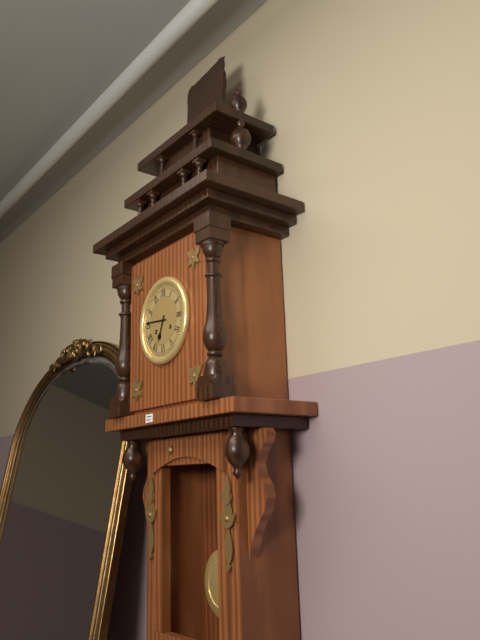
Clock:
6.46
